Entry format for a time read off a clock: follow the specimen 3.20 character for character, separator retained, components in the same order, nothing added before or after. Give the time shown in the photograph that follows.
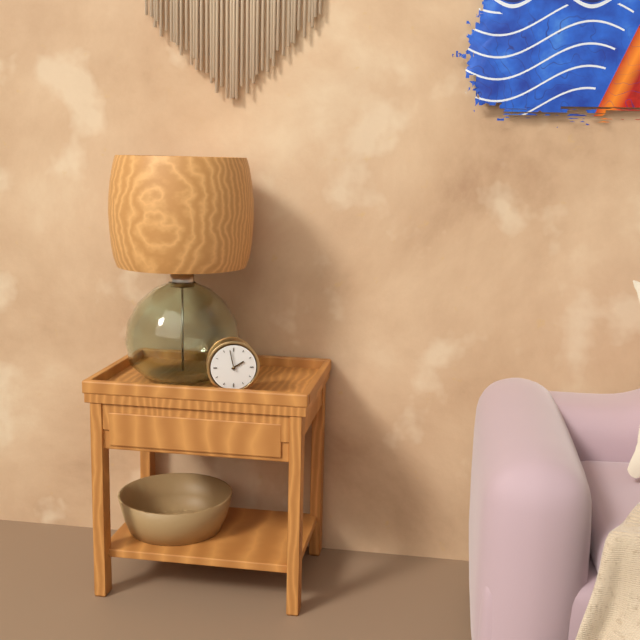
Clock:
1.58
